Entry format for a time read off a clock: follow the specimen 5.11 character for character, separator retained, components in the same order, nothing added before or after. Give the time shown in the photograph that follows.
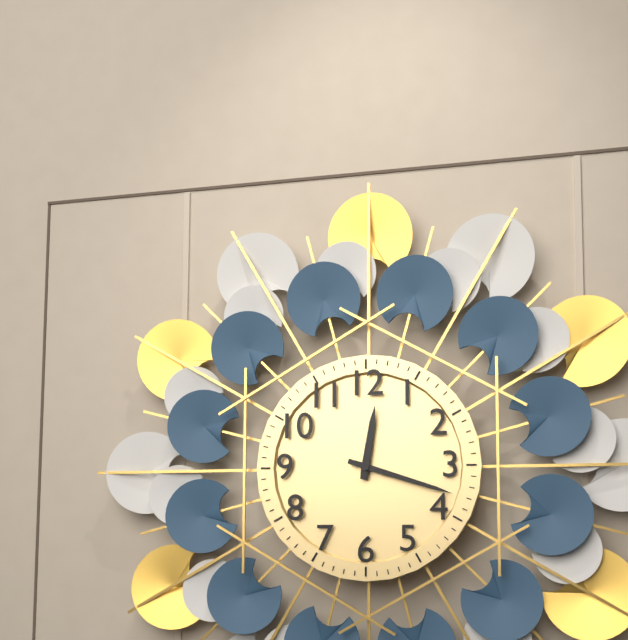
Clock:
12.18
